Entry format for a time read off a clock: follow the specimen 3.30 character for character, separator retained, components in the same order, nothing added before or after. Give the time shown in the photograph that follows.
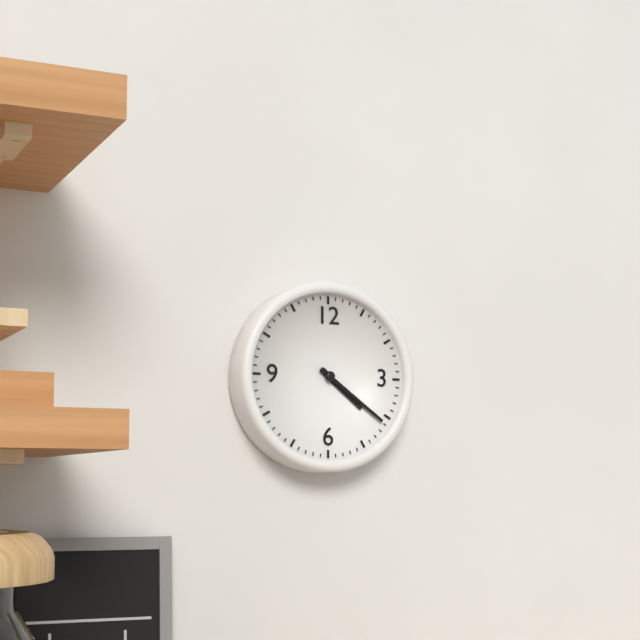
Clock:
4.21
